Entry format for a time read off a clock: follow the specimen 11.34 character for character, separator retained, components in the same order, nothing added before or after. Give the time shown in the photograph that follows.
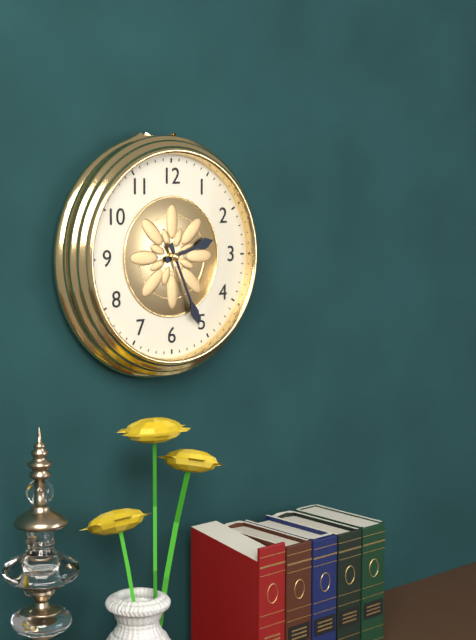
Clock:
2.26
